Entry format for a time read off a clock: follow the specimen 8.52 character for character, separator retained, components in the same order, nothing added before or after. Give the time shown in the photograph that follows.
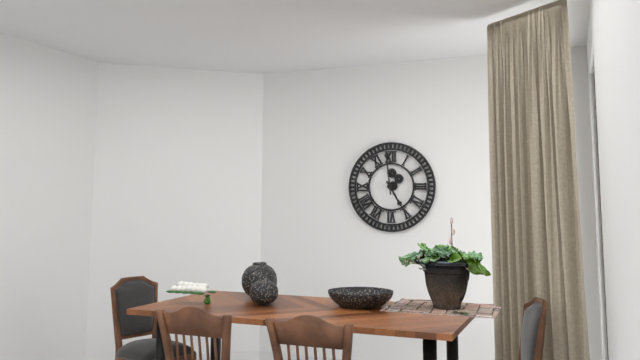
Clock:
4.59
